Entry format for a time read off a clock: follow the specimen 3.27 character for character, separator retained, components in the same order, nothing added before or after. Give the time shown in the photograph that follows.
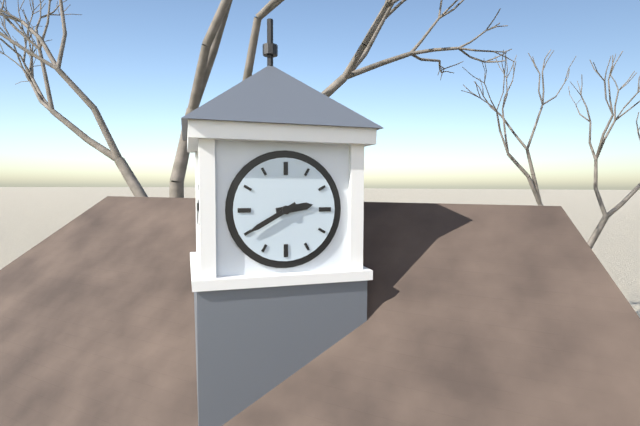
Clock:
2.40
